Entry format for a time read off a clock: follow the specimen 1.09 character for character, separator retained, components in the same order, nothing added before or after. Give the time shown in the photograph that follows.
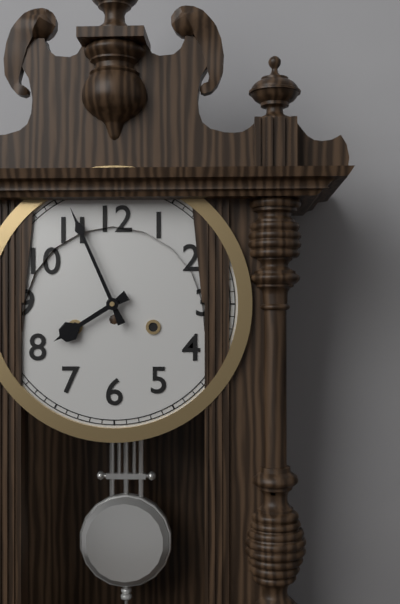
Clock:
7.56
